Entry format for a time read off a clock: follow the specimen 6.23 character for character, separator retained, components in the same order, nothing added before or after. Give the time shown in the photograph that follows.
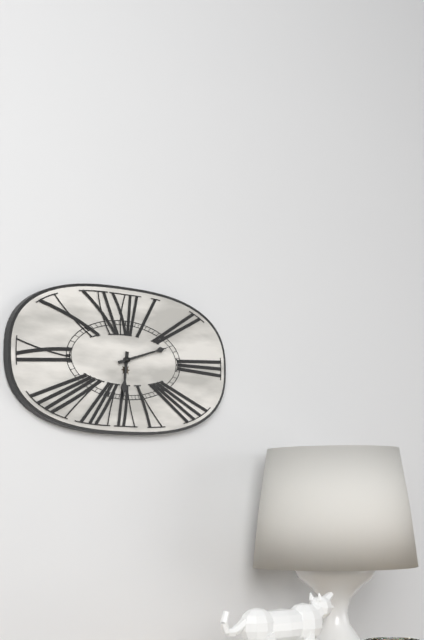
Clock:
6.12
